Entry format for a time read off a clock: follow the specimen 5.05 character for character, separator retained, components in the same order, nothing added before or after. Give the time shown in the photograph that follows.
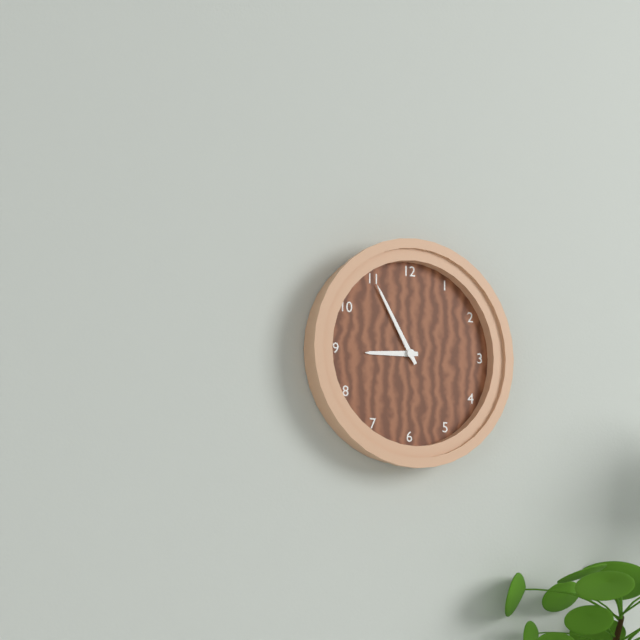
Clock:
8.55
